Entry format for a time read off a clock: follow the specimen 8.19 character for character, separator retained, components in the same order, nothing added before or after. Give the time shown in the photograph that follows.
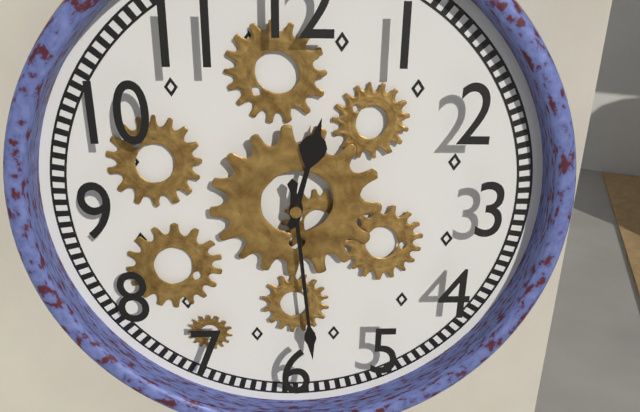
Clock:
12.29
